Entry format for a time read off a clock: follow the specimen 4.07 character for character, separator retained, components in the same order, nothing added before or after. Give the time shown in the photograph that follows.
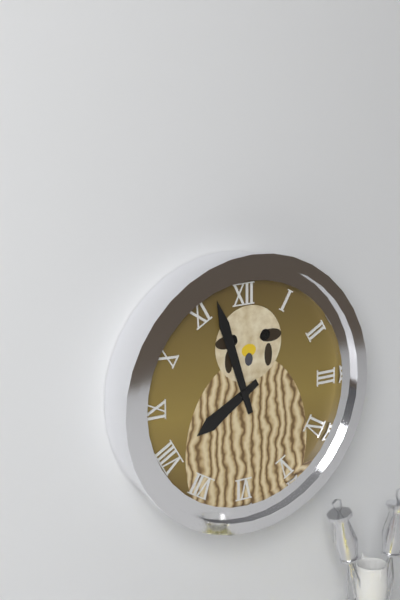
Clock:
7.57
